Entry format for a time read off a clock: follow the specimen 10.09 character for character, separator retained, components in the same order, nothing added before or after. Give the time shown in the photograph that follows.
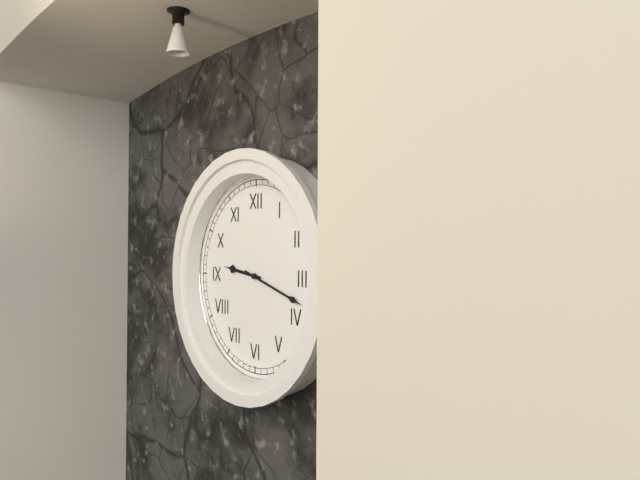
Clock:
9.18
